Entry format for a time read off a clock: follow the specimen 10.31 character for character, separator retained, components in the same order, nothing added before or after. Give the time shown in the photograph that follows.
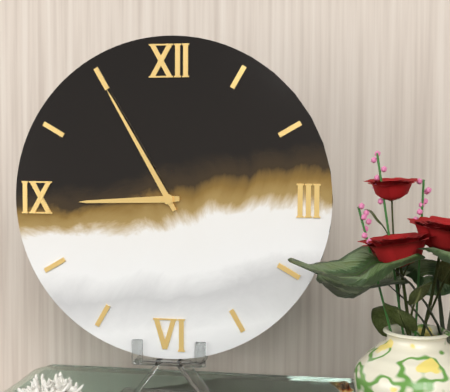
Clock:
8.55
